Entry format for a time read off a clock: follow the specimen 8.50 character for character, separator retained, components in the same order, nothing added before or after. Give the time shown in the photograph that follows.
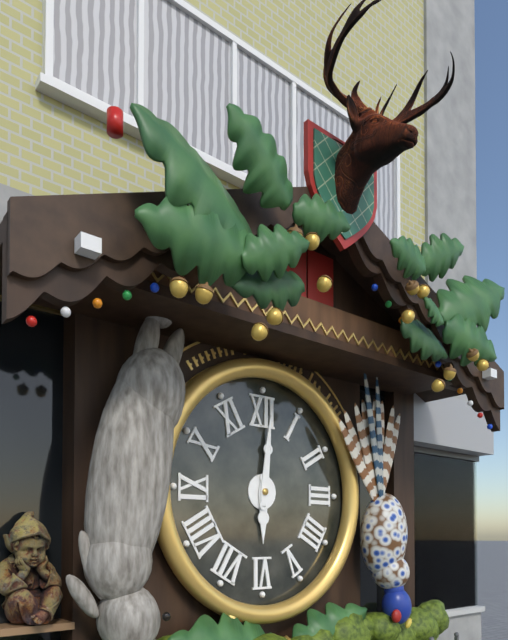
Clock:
6.01
